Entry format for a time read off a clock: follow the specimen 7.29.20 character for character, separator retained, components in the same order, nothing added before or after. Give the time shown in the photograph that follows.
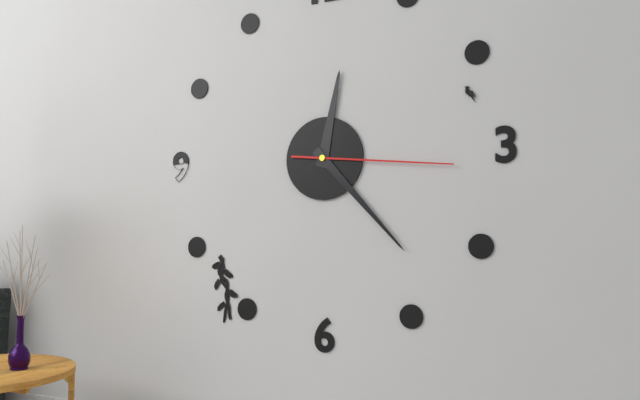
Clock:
12.23.16
